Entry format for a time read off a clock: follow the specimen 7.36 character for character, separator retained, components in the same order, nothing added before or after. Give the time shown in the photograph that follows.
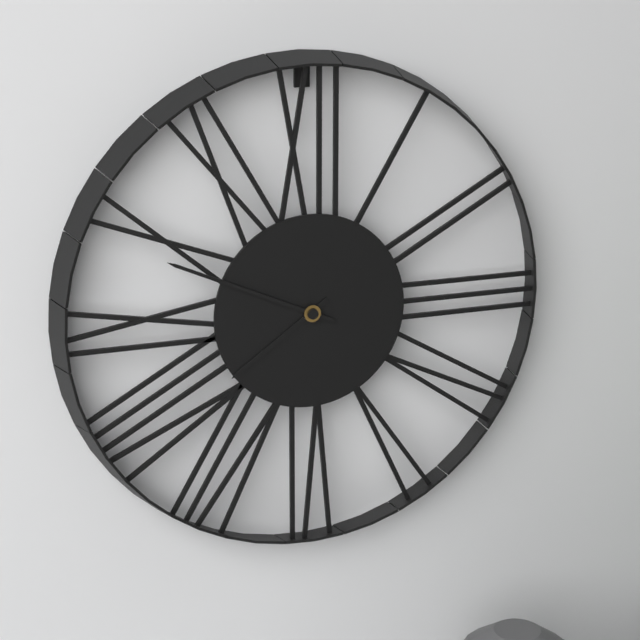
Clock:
7.49
